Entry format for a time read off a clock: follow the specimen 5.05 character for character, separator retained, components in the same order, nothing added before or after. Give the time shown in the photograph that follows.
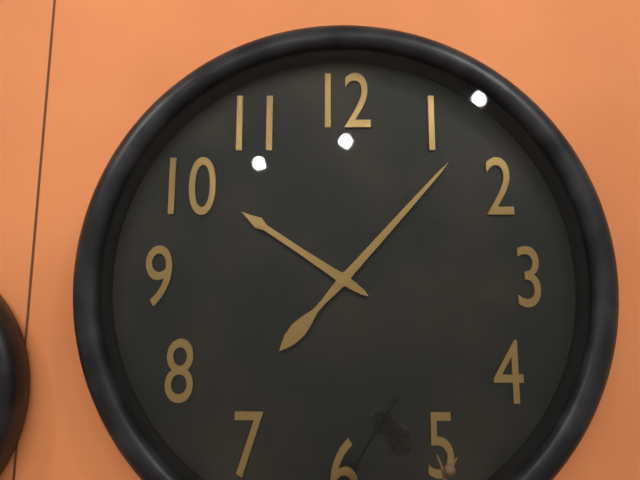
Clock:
10.07
